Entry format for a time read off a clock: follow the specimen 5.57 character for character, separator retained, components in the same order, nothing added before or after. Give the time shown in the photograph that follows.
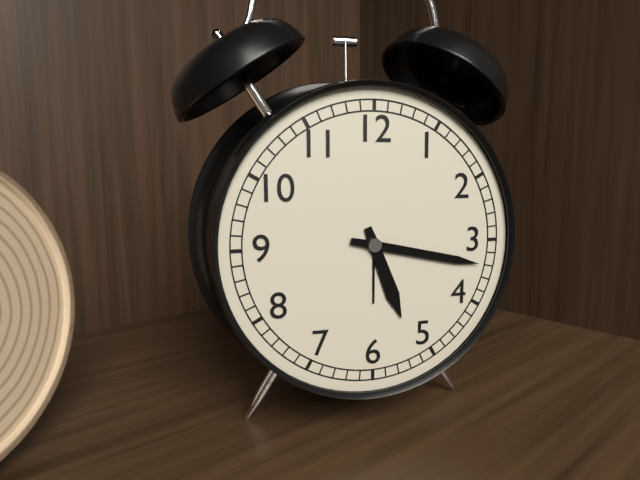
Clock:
5.17
